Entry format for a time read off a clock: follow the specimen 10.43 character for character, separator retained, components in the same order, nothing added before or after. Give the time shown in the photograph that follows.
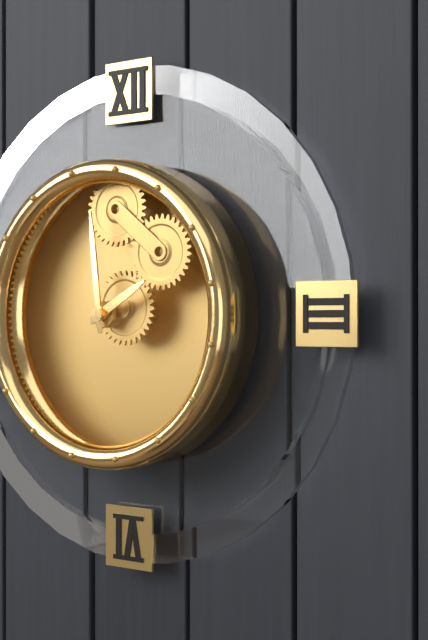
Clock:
1.59
